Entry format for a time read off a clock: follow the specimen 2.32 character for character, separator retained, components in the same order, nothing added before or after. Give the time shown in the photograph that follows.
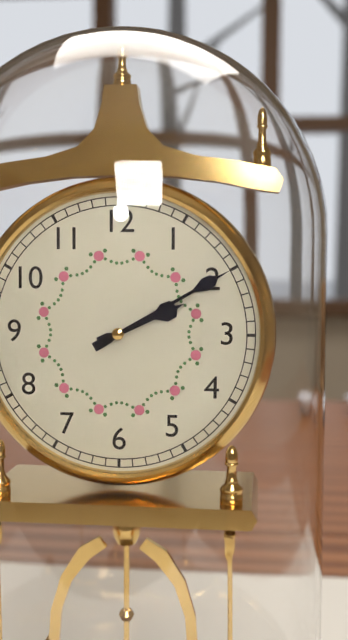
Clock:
2.10
